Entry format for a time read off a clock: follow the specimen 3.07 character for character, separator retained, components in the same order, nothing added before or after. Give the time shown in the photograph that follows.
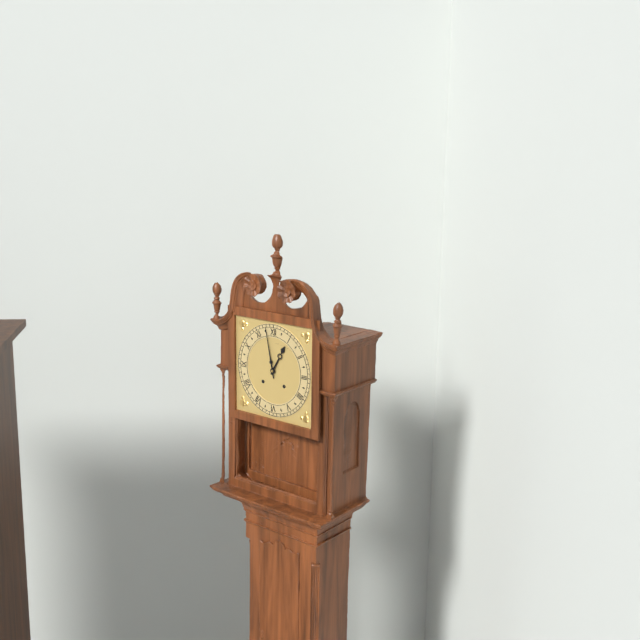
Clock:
12.58
